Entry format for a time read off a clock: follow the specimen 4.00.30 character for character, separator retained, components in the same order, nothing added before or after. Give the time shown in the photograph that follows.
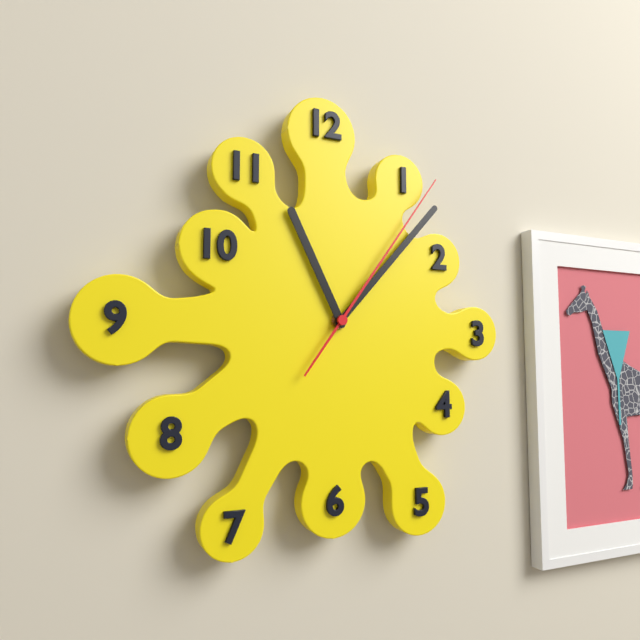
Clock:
11.07.06
